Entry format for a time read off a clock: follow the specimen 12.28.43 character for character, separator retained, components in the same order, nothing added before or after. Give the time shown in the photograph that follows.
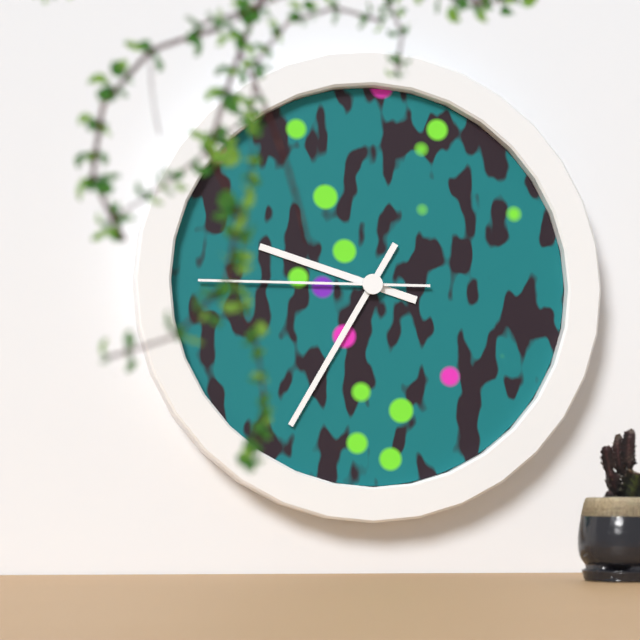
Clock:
9.35.45
